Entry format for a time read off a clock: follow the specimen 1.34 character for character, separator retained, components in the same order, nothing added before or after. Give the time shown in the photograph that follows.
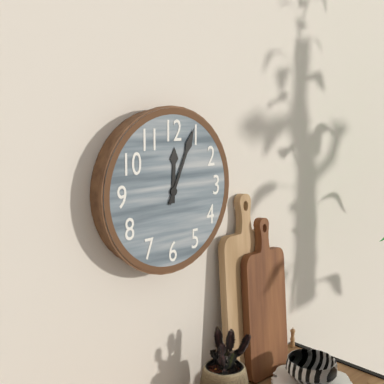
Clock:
12.04
